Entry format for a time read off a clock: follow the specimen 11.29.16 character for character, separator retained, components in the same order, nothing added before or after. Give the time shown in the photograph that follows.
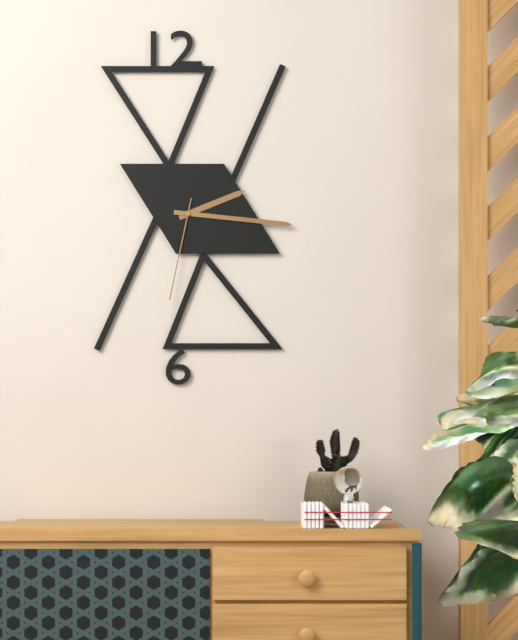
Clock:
2.16.32
